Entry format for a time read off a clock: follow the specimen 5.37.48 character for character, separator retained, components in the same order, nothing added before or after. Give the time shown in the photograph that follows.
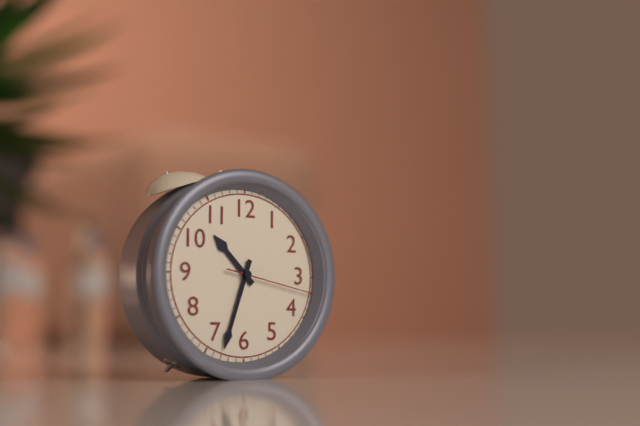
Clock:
10.33.17
